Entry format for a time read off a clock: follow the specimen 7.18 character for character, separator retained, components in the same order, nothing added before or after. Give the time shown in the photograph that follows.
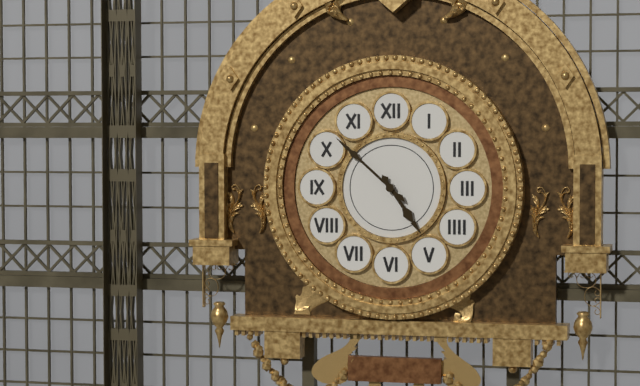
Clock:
4.52
